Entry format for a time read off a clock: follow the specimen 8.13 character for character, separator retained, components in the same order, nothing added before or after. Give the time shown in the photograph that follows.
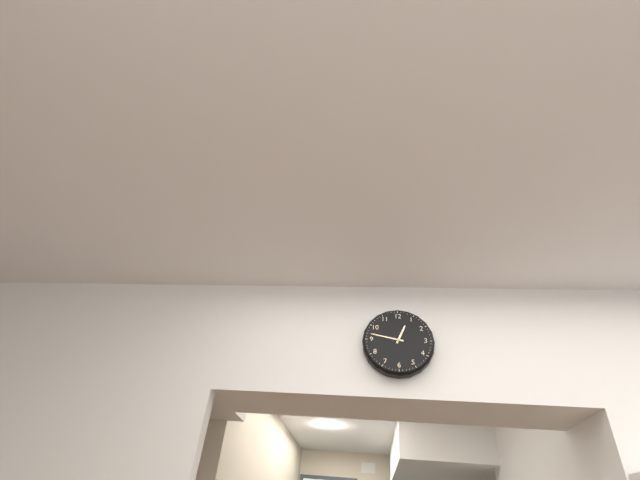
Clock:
12.47
